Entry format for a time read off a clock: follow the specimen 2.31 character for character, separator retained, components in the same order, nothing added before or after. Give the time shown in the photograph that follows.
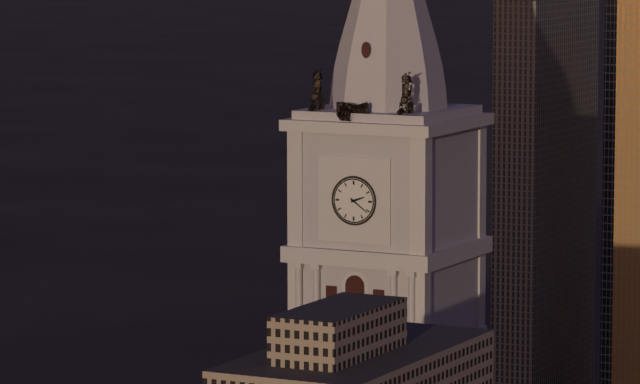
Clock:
2.21
